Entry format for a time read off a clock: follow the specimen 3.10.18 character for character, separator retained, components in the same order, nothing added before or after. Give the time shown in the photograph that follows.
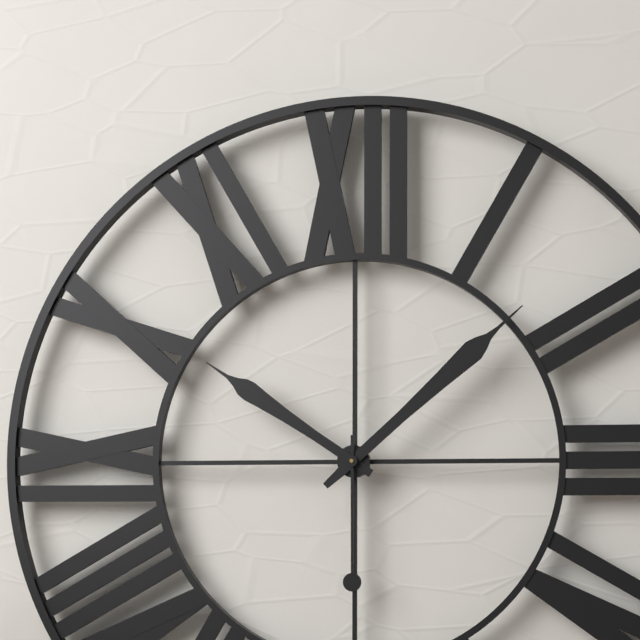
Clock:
10.08.30
